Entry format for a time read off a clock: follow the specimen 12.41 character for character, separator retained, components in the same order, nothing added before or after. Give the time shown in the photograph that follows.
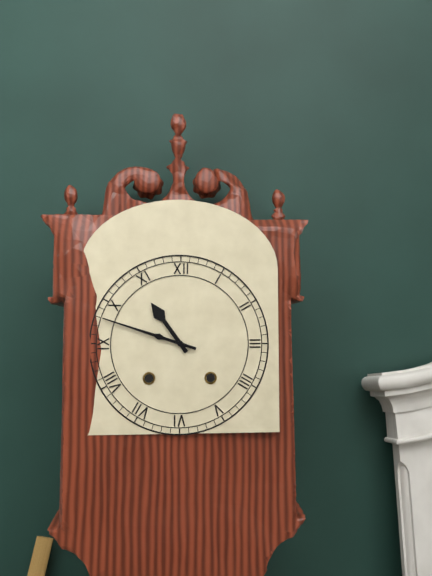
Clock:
10.48
